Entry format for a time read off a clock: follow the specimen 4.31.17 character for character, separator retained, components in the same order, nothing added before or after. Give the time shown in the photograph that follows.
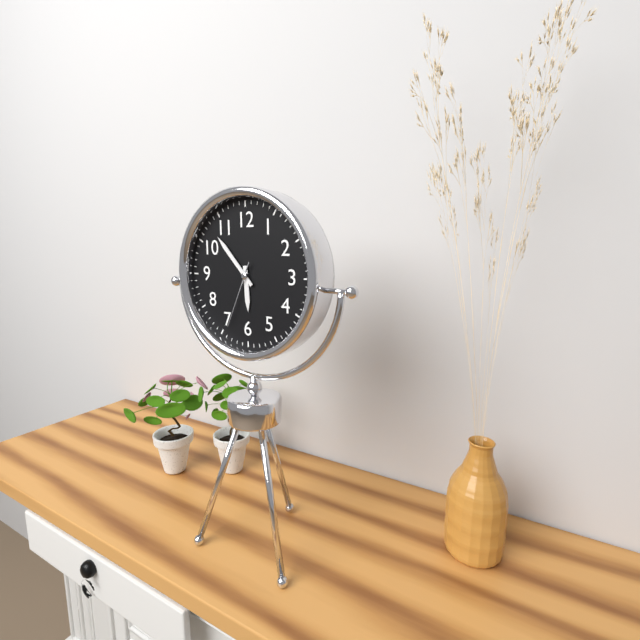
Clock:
5.53.34
